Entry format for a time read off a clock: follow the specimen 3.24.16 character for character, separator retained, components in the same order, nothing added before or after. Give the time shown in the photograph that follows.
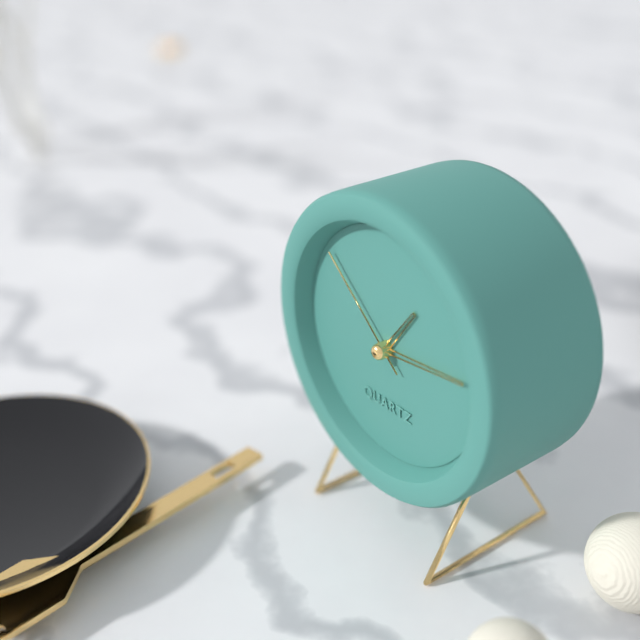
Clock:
1.14.52
